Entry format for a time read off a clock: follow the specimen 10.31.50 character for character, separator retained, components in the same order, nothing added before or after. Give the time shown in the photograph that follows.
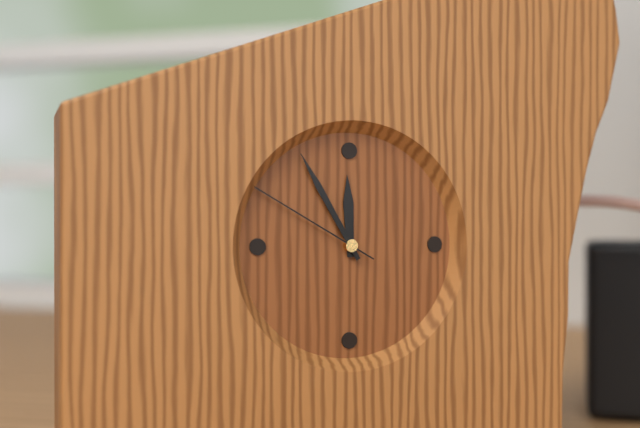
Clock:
11.55.50
